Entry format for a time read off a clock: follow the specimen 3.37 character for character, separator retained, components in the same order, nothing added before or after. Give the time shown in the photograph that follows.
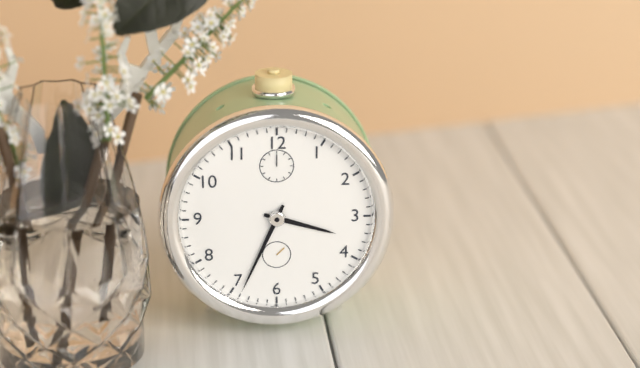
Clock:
3.34
